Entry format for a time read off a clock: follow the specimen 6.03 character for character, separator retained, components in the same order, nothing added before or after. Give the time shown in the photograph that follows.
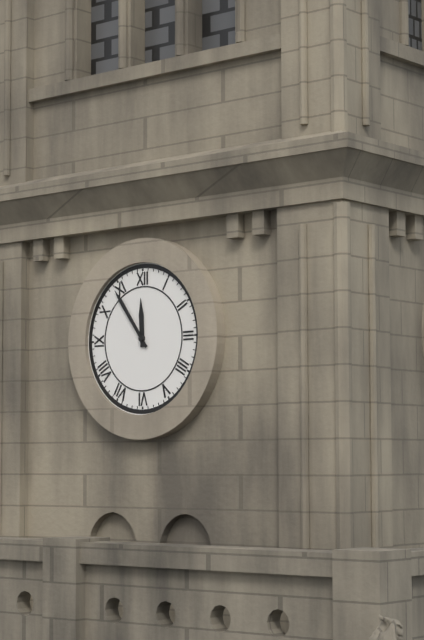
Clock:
11.54
